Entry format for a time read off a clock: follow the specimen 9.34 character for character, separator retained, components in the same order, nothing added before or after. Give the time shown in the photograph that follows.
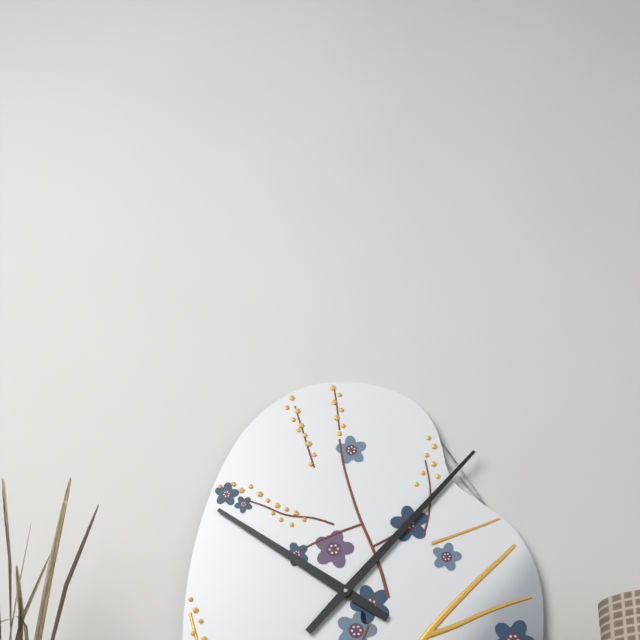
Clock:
10.07
